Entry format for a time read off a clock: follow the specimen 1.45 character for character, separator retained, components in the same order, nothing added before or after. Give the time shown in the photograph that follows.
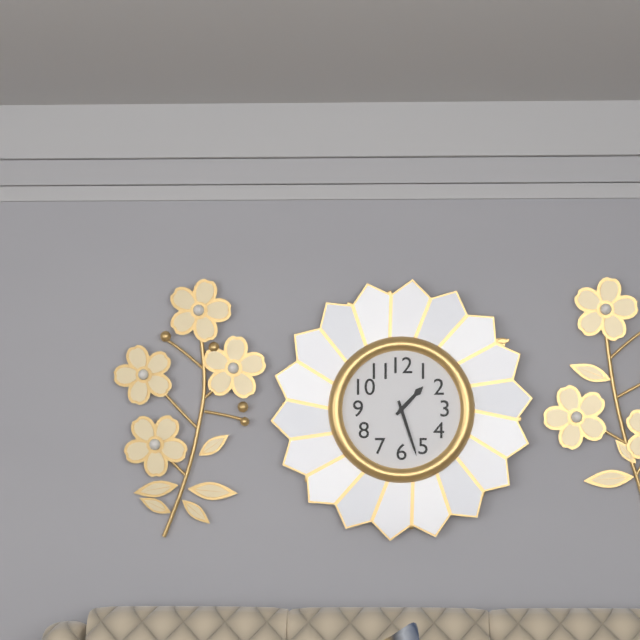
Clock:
1.27
